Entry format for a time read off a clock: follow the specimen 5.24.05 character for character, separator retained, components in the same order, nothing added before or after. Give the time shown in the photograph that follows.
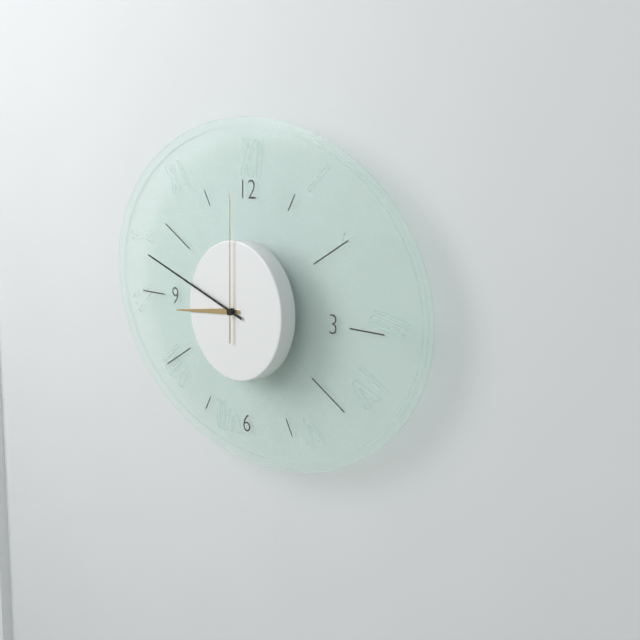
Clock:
8.48.00
